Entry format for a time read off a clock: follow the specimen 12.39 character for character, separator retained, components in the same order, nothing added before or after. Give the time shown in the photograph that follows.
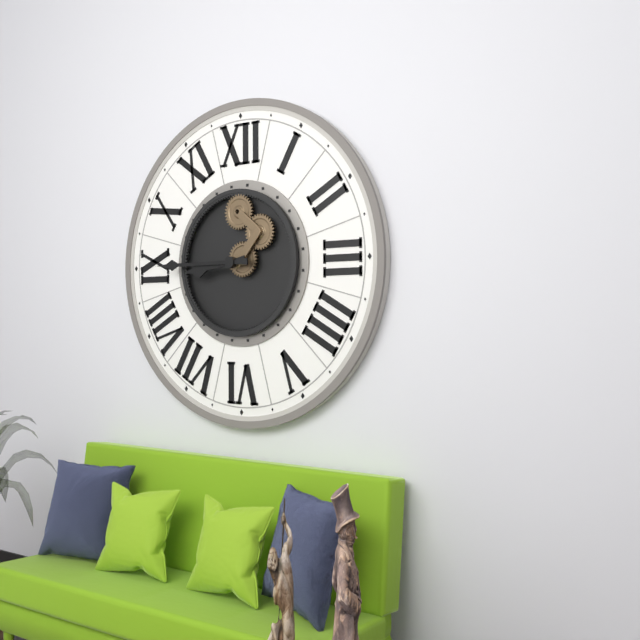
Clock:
8.45
